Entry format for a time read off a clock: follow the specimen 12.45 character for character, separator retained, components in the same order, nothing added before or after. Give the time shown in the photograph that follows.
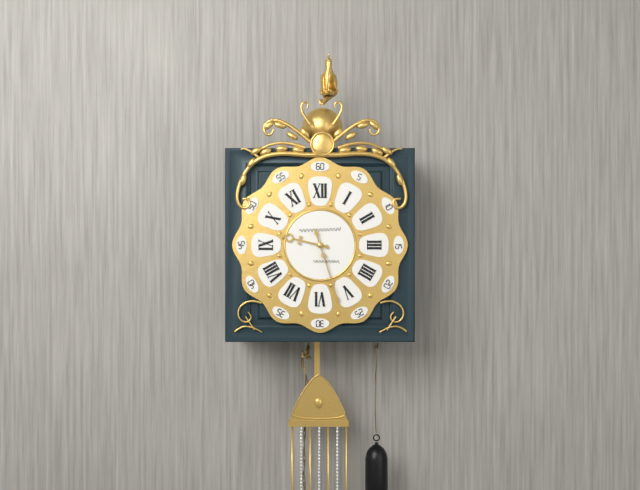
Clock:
9.27
